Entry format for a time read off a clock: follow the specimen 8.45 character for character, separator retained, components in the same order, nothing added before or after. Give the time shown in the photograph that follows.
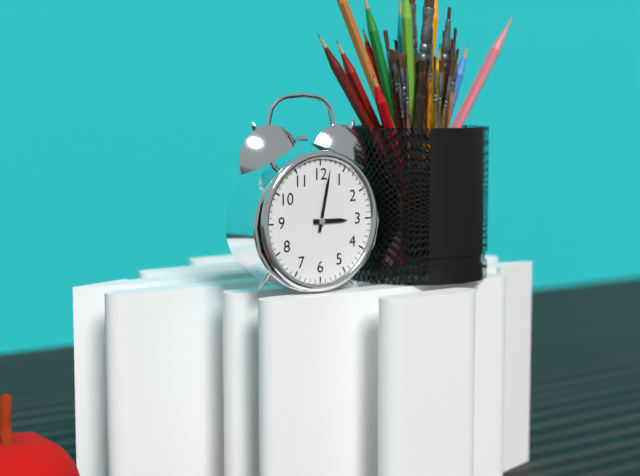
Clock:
3.02
